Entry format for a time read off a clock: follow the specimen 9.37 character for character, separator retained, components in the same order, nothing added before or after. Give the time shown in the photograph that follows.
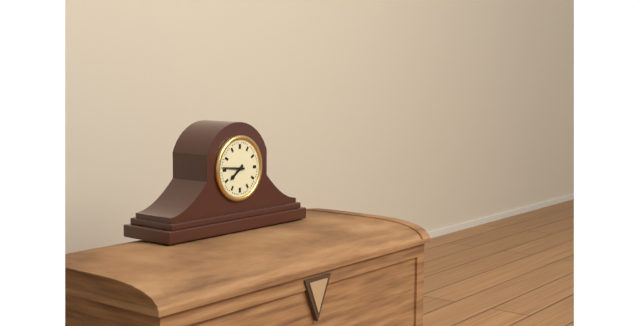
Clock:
7.46
